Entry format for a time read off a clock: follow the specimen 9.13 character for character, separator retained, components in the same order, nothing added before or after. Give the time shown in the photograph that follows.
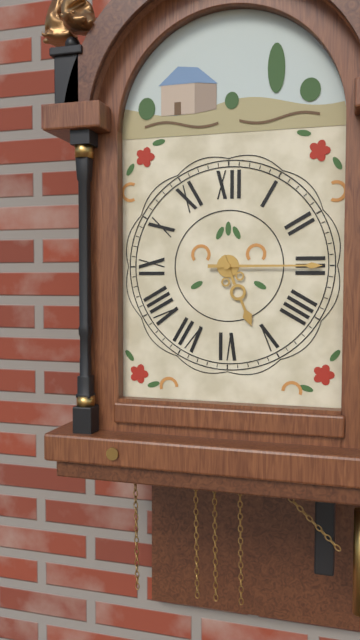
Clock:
5.15
